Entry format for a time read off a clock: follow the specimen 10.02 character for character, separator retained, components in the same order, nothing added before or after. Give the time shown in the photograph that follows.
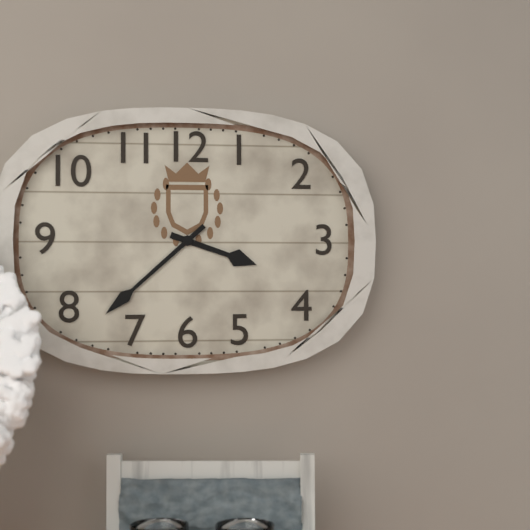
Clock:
3.38
